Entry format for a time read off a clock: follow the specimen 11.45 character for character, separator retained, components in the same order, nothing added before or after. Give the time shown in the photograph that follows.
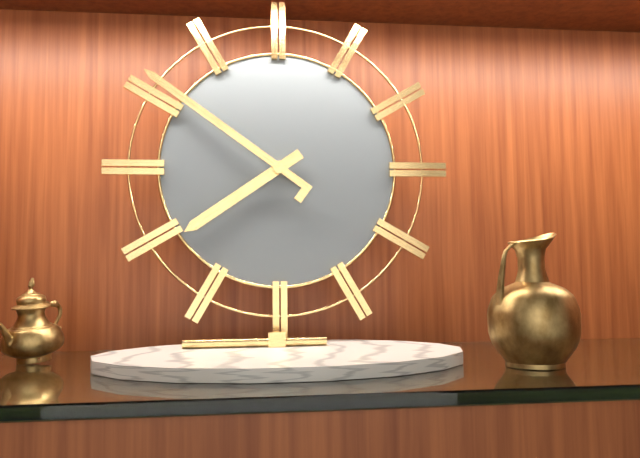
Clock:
7.51
